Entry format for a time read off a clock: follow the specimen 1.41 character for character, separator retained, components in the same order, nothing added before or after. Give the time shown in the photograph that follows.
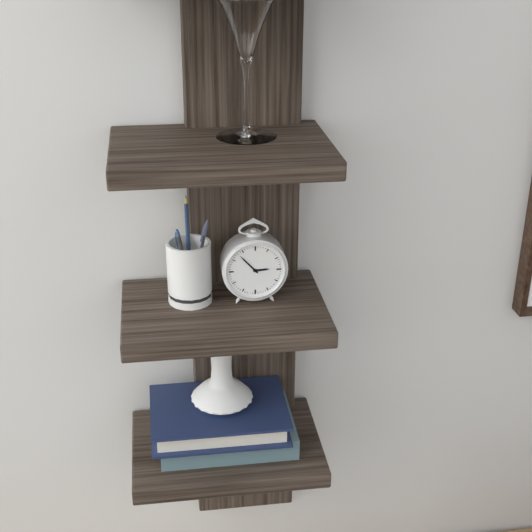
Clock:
2.53
